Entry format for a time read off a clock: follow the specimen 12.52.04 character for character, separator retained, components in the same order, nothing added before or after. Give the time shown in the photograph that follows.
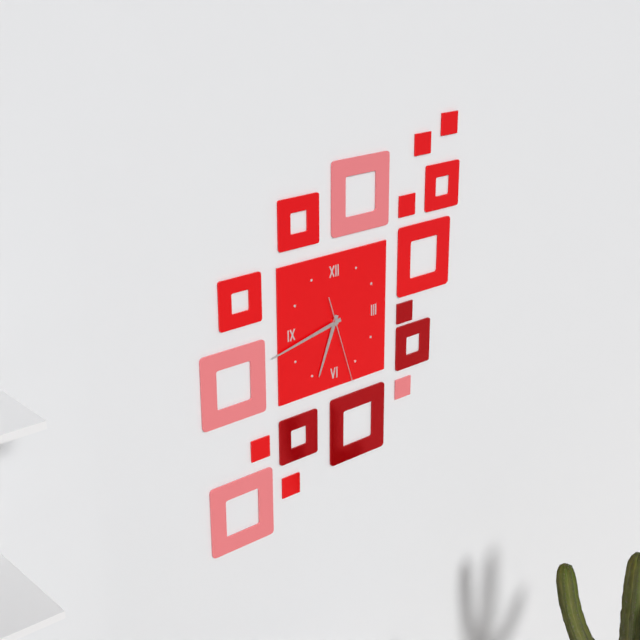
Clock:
6.43.27
